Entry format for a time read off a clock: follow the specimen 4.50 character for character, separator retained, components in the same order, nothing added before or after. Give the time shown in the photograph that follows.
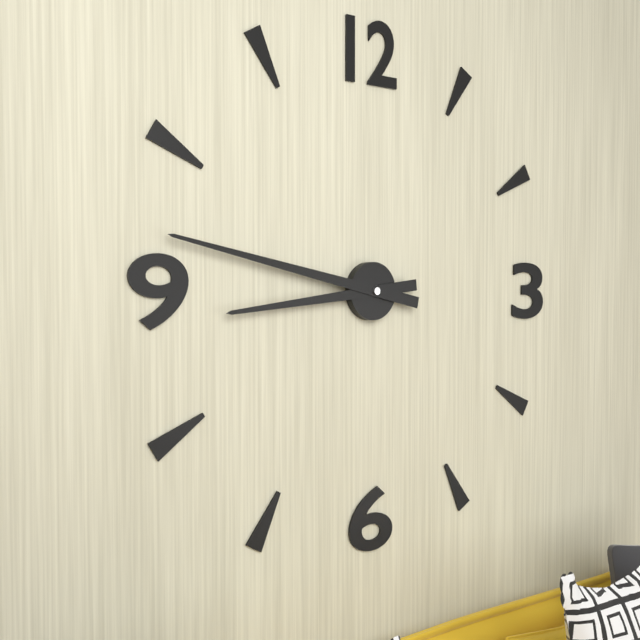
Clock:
8.47
